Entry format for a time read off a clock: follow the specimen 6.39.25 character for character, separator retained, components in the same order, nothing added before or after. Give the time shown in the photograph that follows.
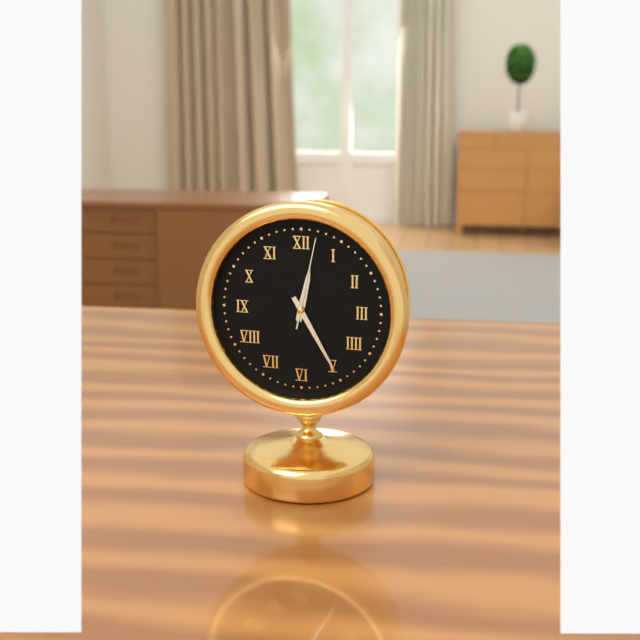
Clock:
12.25.02
